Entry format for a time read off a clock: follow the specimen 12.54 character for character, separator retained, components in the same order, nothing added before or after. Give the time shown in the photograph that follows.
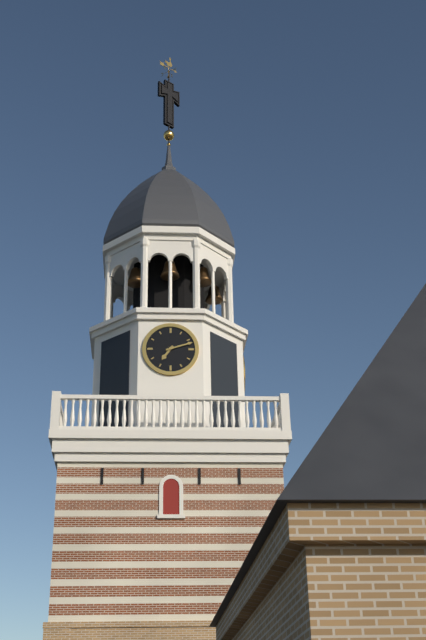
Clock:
7.12
